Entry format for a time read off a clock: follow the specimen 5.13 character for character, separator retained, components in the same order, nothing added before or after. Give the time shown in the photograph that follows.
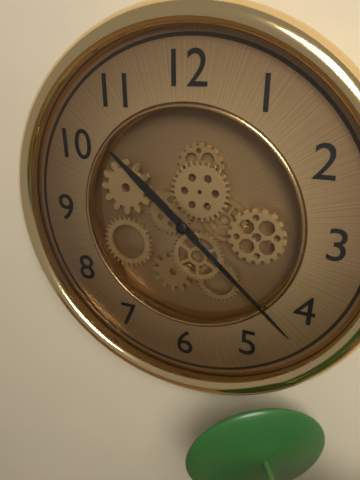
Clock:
10.22
